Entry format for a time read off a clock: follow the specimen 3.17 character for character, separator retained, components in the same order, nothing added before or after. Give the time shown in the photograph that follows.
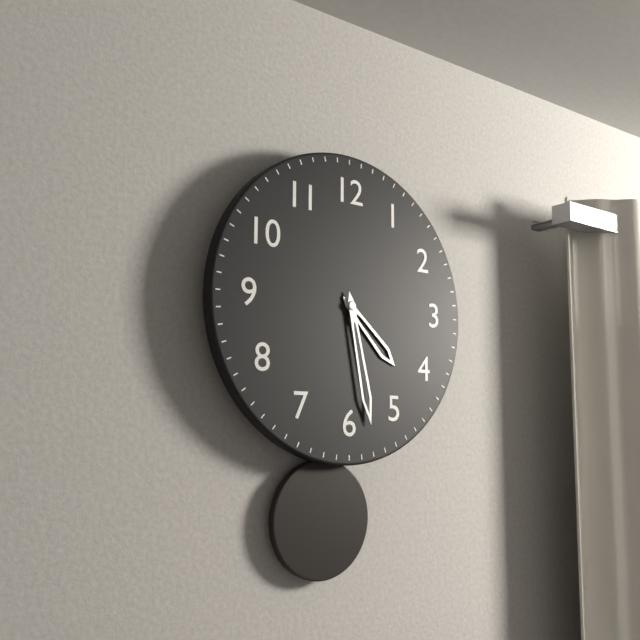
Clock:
4.28
